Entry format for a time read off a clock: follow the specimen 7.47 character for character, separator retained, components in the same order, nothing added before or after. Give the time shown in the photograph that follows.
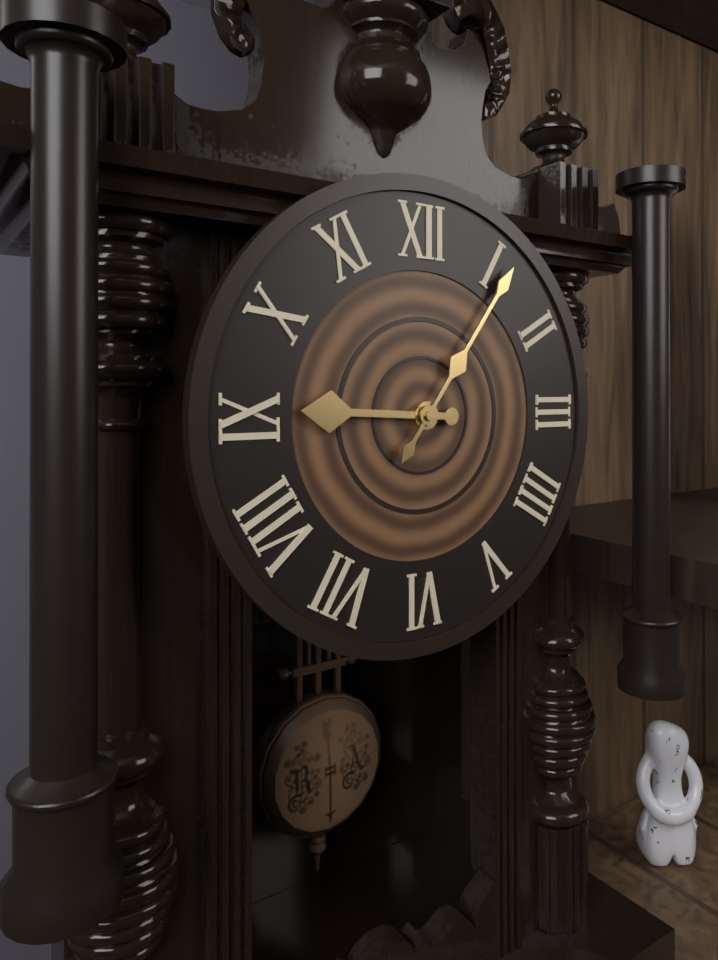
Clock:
9.06
